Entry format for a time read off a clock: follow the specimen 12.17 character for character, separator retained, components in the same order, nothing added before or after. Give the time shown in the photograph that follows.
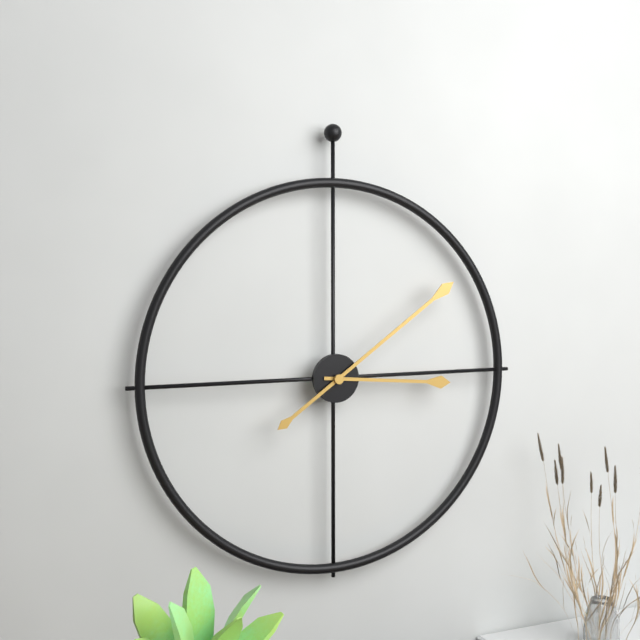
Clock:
3.09
